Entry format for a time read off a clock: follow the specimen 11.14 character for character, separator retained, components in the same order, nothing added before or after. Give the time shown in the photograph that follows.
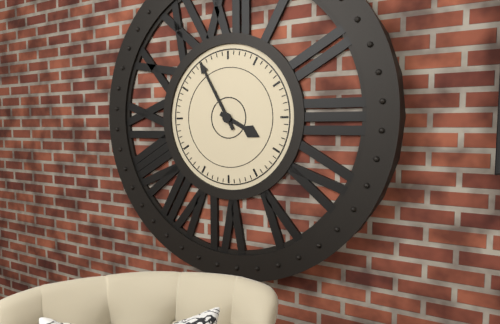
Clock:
3.55
